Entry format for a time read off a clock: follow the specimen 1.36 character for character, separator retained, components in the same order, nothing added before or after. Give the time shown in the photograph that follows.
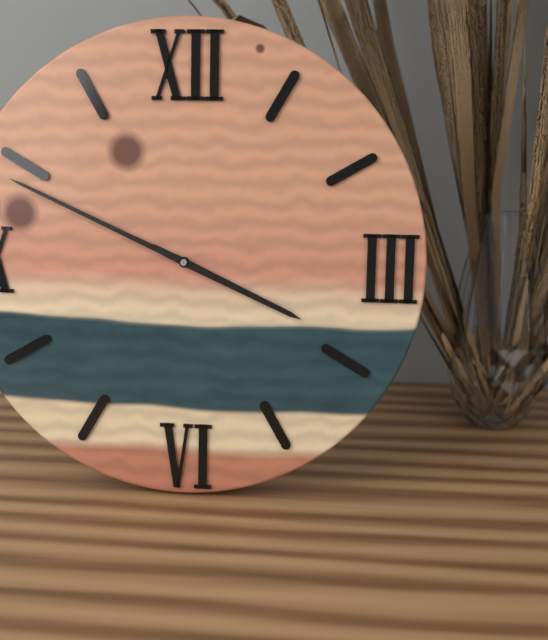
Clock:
3.49
